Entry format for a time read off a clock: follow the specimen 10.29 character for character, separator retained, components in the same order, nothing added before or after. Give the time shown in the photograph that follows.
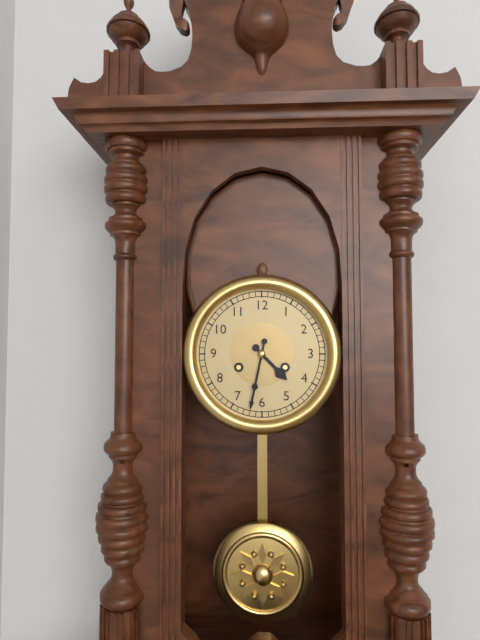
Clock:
4.32
